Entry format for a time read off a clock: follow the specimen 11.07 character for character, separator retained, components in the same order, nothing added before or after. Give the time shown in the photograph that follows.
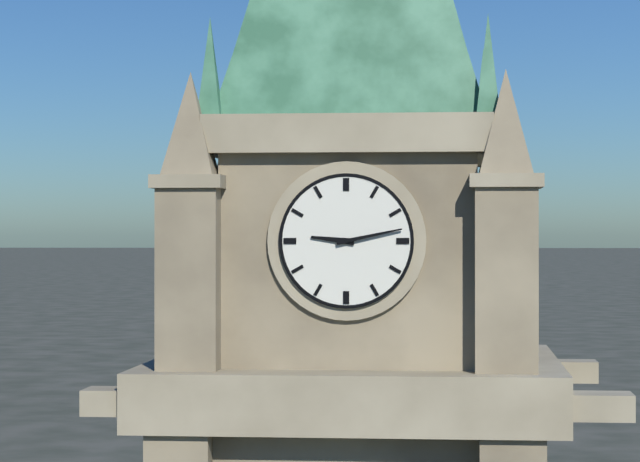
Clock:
9.13
